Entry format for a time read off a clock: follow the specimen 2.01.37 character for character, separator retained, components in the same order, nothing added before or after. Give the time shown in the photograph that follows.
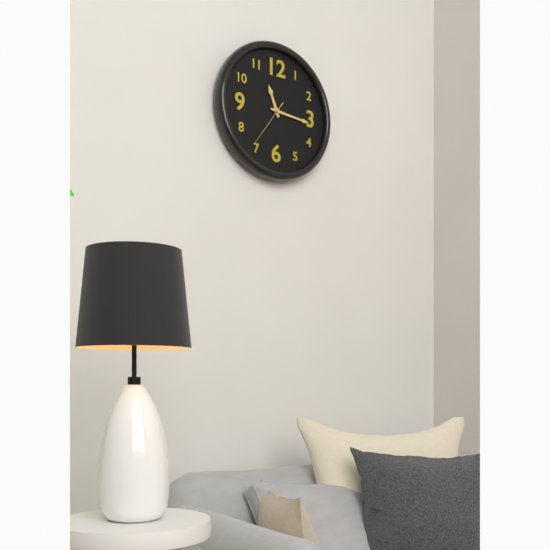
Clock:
11.16.36
